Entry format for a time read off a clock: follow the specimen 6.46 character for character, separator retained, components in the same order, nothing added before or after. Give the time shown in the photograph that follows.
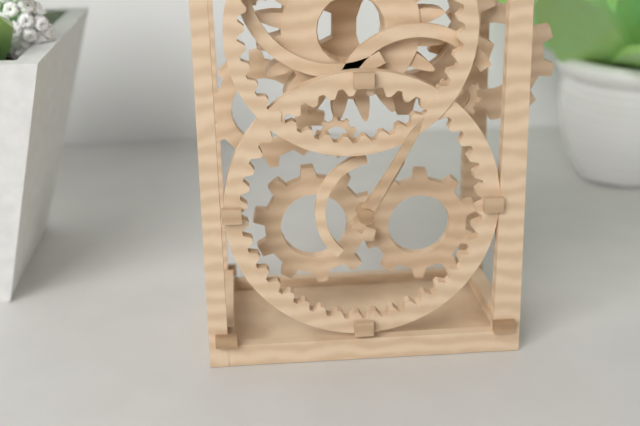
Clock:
1.05
